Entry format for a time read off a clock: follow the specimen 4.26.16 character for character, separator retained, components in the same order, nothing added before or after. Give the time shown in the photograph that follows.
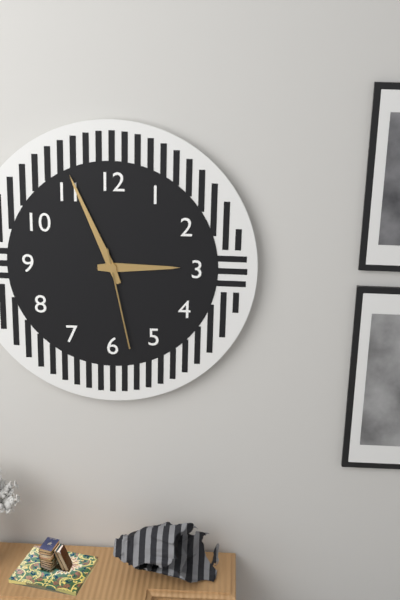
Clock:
2.56.28
